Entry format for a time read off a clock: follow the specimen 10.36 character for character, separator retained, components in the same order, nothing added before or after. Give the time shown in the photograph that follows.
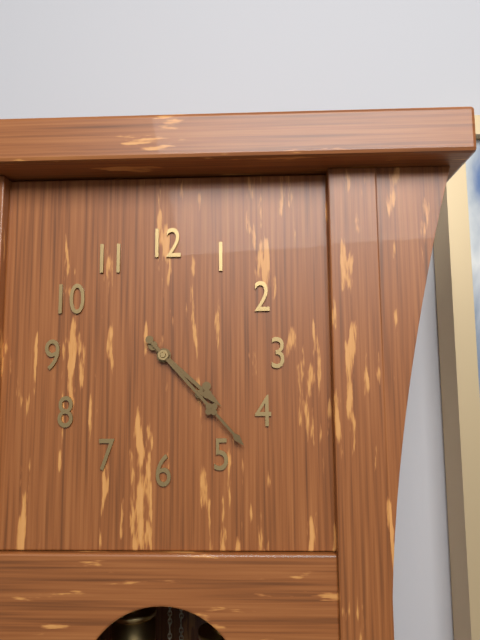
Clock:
4.23
